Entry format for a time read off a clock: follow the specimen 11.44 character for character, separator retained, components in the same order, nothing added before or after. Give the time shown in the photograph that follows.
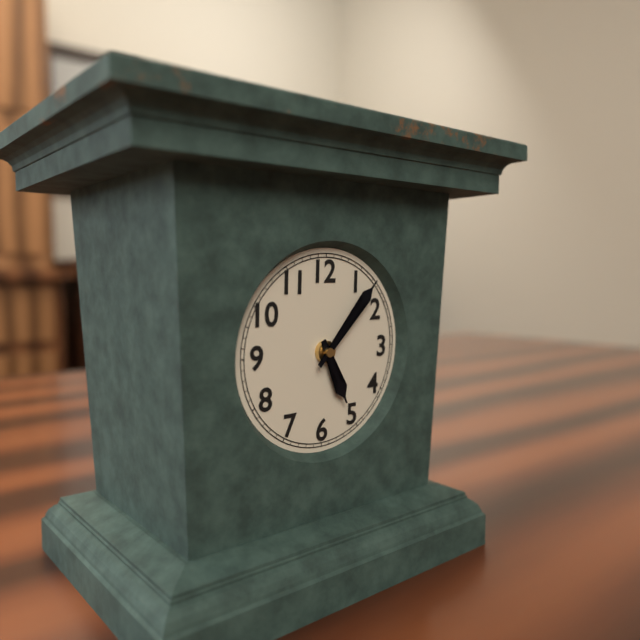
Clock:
5.07
